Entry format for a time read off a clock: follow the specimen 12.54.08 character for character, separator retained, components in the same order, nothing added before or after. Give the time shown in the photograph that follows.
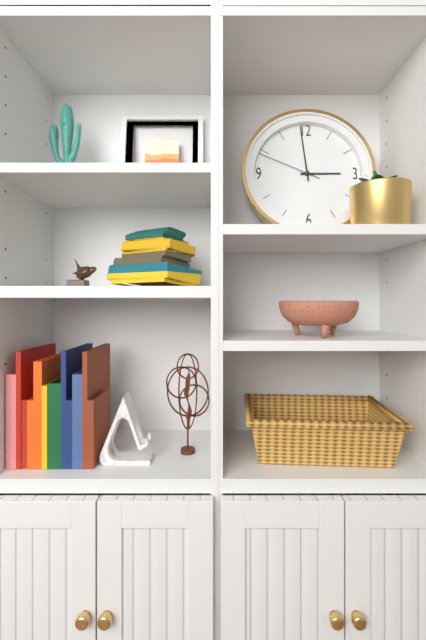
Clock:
2.59.49
